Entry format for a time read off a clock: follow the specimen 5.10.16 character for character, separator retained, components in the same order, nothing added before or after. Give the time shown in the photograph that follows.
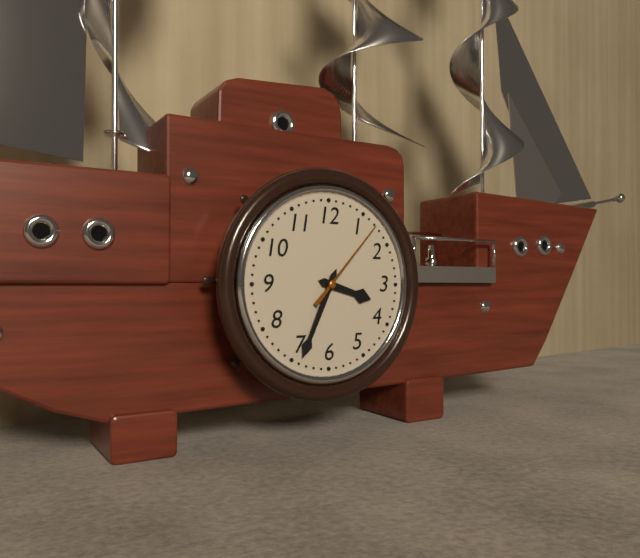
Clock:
3.34.07
